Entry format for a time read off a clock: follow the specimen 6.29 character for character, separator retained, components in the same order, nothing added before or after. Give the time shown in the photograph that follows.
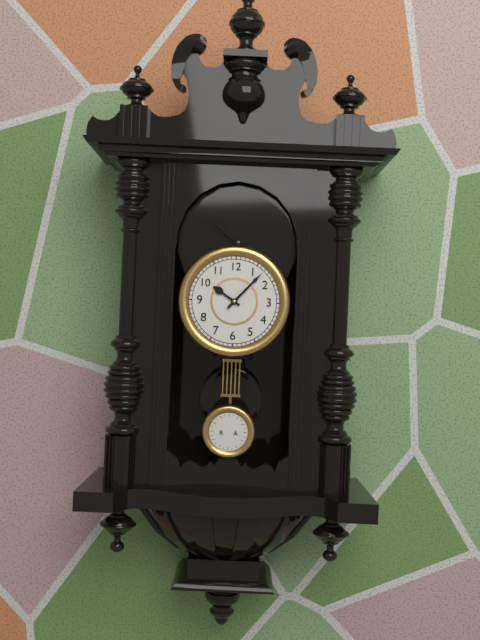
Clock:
10.07
